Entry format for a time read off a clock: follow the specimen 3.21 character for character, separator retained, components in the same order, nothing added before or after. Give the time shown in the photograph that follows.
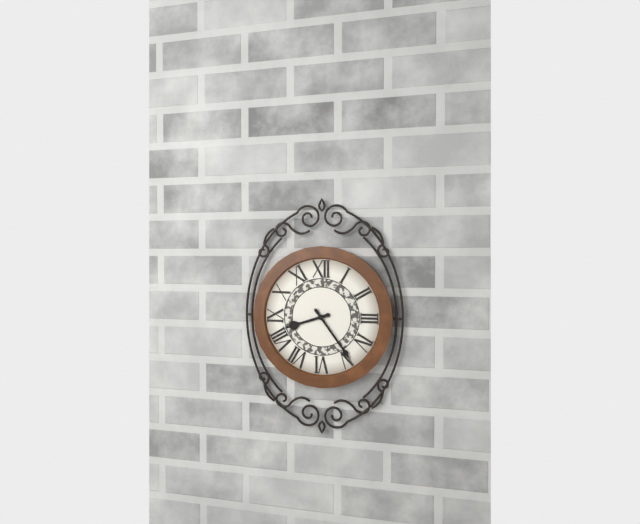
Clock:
8.24
